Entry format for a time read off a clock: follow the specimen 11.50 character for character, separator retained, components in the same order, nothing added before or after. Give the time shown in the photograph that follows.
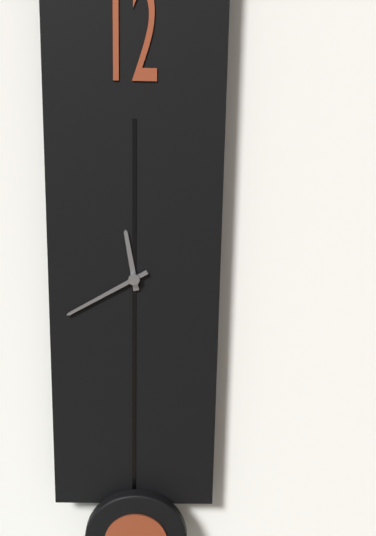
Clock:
11.40
